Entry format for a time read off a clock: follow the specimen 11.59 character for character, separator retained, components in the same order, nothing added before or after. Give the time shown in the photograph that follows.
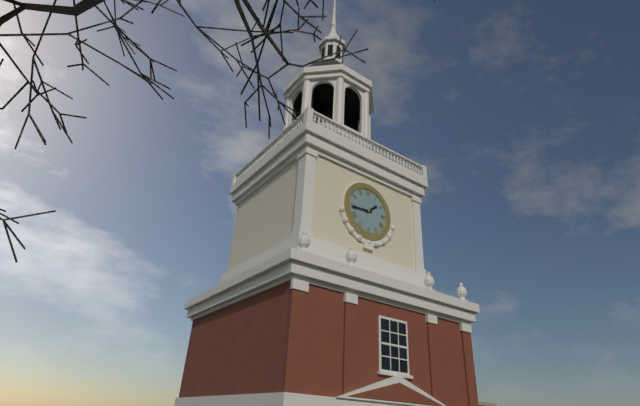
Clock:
1.44
